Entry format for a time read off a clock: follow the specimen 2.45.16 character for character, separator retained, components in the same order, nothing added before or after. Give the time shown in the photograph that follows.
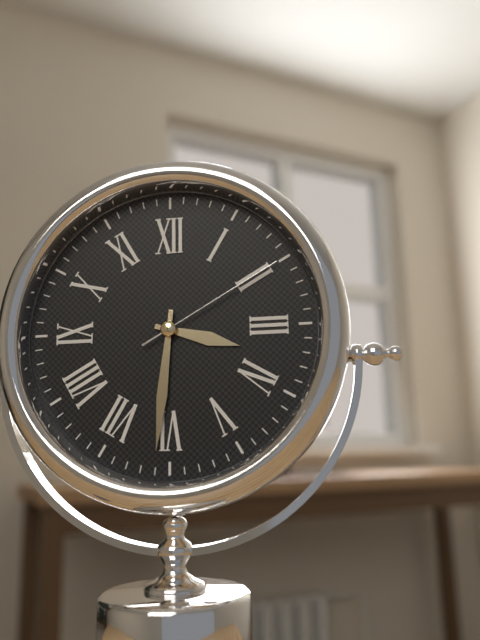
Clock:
3.31.10
